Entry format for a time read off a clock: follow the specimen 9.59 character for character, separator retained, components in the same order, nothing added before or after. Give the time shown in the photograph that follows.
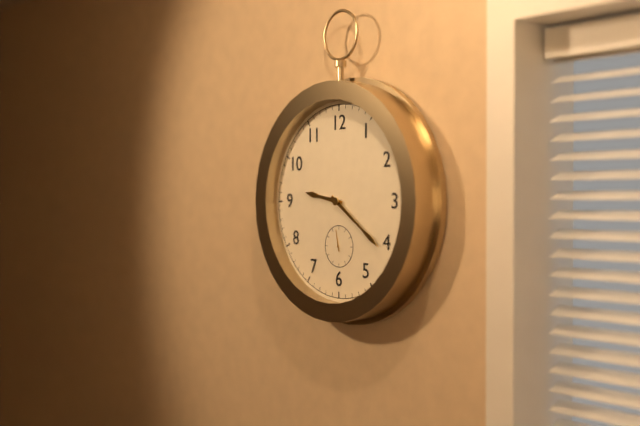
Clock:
9.21
